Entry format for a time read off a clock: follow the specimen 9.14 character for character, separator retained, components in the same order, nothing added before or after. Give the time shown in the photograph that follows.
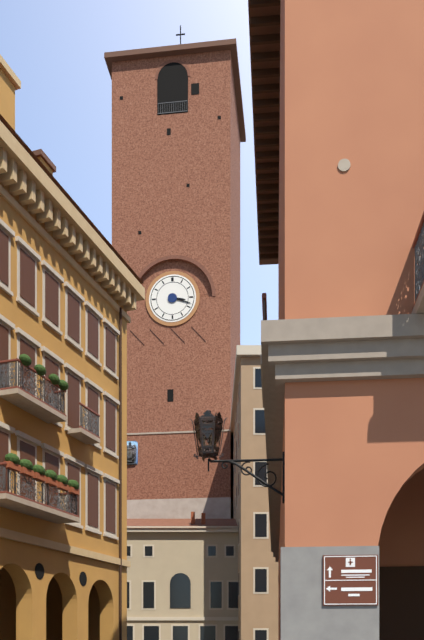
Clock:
3.18
